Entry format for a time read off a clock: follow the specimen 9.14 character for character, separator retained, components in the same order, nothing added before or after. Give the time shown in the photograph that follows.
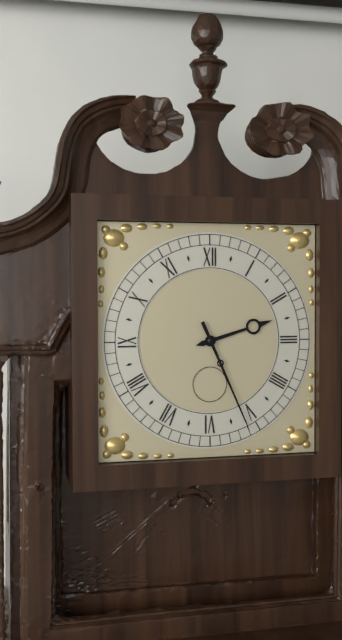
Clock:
2.26
